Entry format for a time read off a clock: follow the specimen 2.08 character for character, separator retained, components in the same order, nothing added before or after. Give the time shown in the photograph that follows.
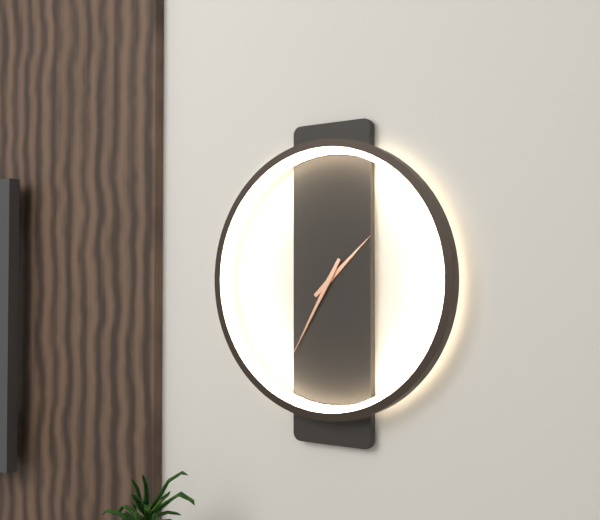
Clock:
1.35
